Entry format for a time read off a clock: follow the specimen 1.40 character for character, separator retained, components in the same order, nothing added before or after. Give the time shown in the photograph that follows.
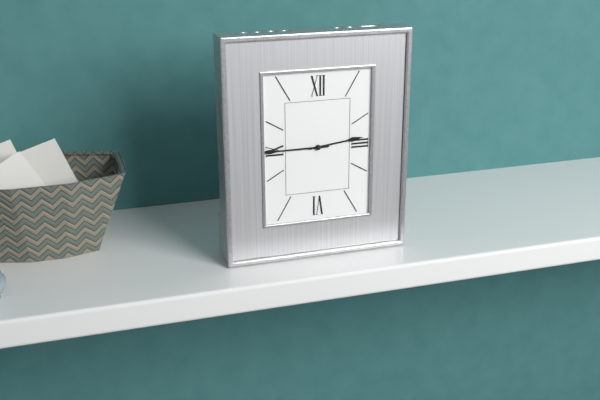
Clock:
2.45
